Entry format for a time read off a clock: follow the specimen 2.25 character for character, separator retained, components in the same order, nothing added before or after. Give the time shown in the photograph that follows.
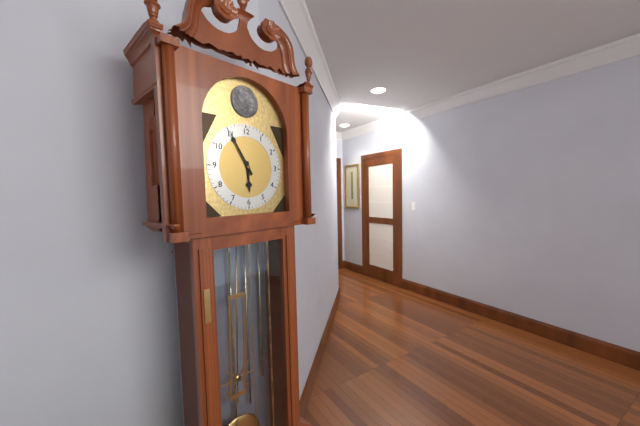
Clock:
5.55
